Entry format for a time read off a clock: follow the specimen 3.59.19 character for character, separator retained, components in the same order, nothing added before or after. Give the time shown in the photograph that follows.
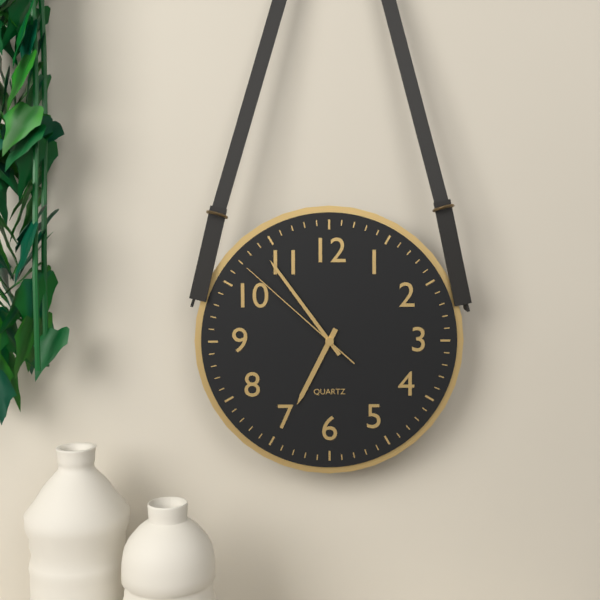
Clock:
6.54.52
